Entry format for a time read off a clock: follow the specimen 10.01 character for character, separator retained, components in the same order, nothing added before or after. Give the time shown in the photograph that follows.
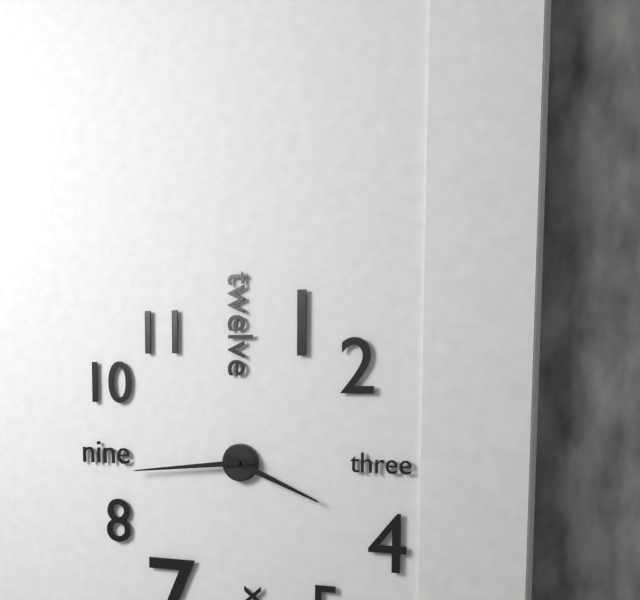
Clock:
3.44
